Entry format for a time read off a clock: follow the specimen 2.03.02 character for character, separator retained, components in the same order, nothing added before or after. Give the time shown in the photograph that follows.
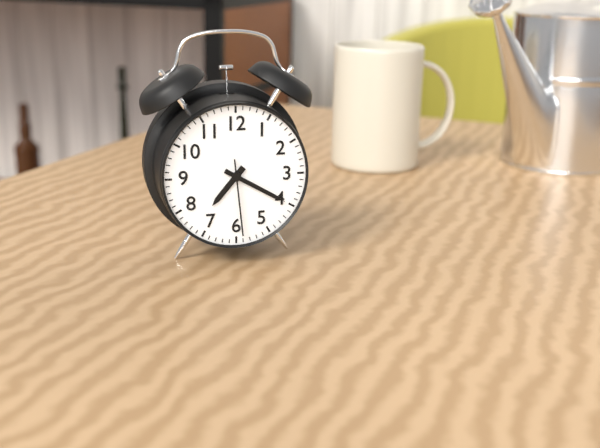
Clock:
7.20.29
